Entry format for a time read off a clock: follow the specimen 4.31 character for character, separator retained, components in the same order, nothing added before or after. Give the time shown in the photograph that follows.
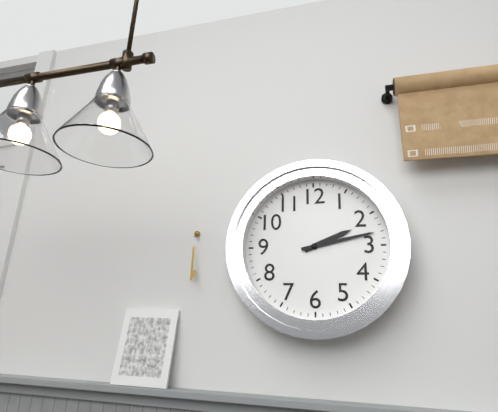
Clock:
2.13
